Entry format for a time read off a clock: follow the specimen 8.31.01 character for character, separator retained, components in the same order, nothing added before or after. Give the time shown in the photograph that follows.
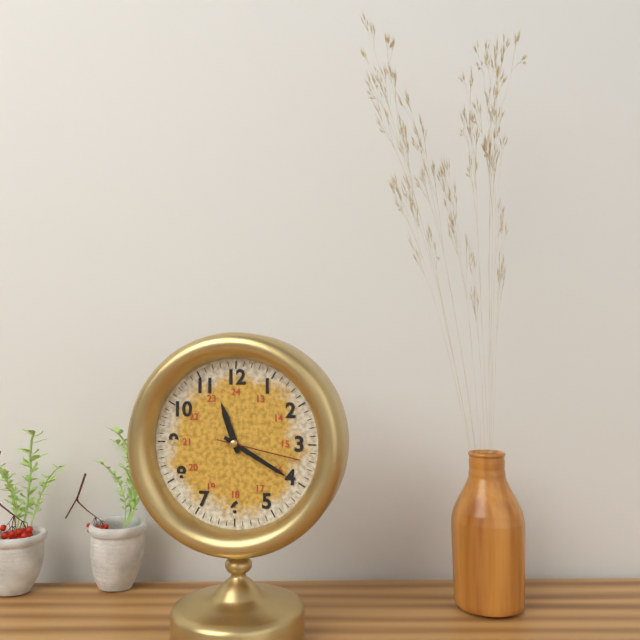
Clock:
11.20.17
